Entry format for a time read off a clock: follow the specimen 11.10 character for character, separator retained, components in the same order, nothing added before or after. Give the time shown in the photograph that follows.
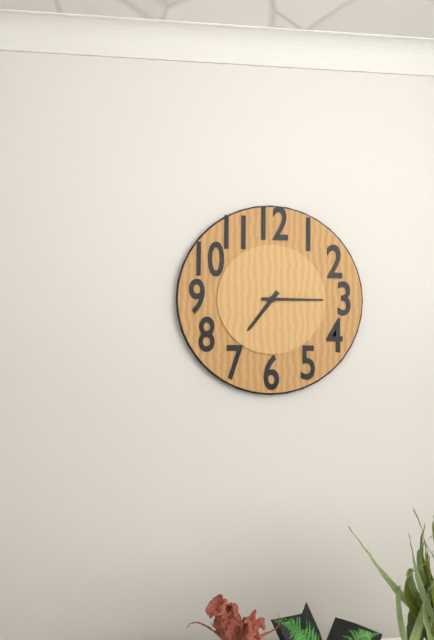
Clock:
7.15
